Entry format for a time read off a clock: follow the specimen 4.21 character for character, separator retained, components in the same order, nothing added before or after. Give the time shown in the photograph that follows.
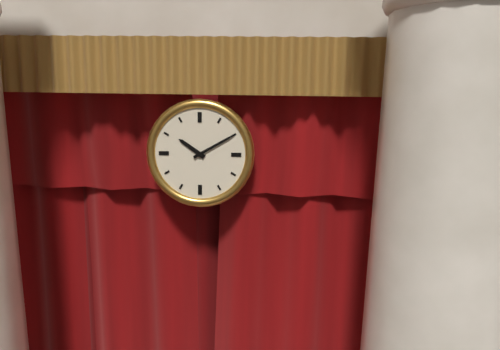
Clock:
10.10
